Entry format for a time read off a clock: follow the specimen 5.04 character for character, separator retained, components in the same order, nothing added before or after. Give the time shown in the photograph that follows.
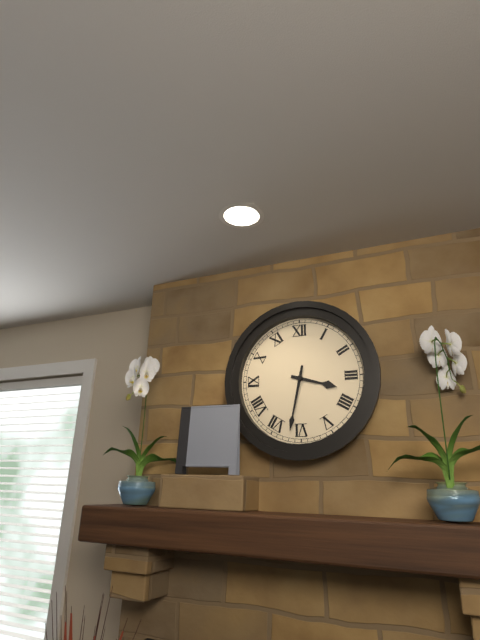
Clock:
3.32
